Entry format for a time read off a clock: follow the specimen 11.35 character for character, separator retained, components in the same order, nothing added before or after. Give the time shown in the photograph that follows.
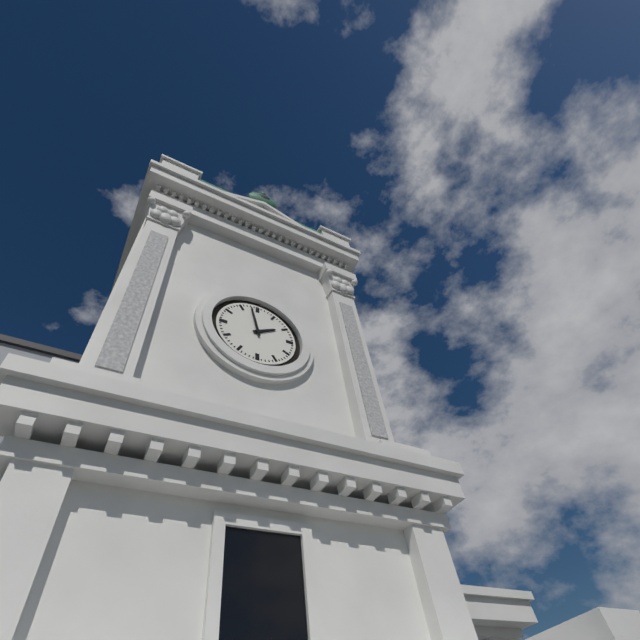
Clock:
1.58
